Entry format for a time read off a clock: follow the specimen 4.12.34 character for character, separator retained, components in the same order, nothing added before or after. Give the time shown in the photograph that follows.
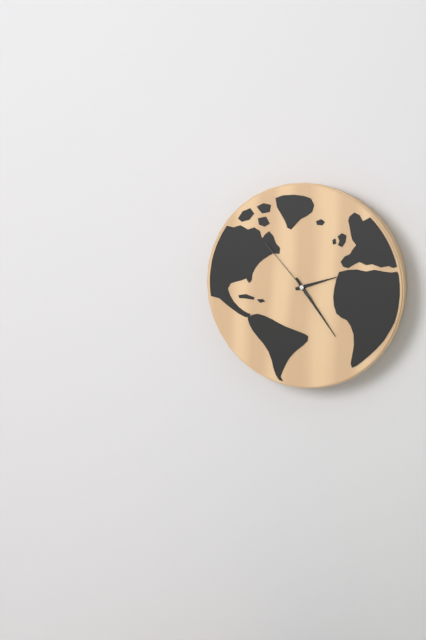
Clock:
2.24.53
